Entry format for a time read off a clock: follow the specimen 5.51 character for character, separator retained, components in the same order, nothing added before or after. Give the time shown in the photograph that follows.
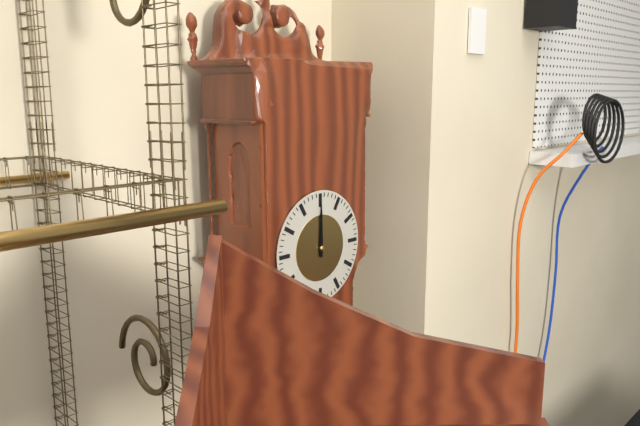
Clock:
12.00
